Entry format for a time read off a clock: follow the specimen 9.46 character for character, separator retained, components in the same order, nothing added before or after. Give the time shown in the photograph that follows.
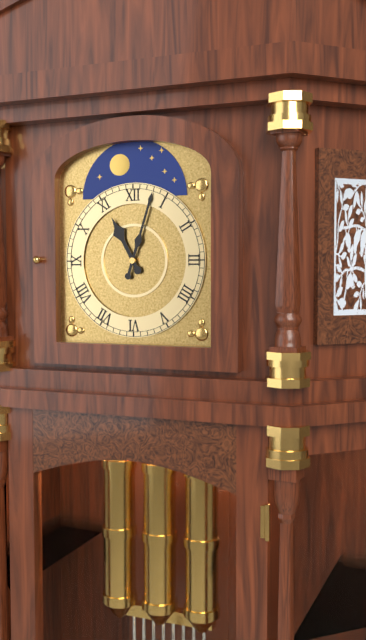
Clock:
11.03
